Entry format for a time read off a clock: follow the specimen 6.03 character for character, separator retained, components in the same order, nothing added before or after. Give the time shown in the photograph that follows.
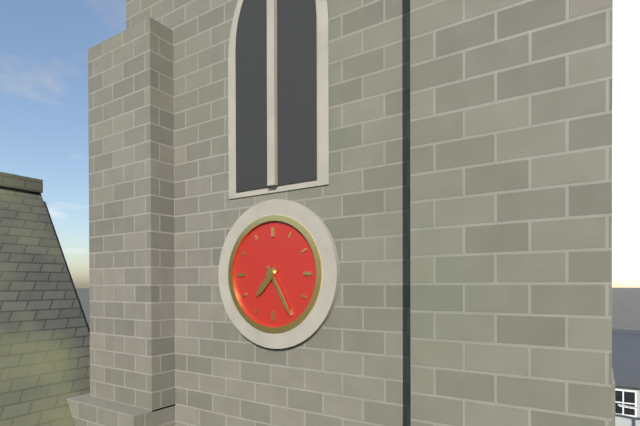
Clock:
7.25
